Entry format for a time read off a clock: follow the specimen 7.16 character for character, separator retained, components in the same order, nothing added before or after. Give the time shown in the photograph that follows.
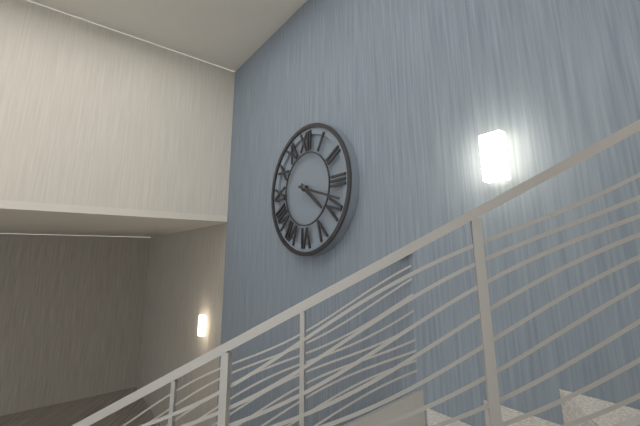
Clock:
4.18
